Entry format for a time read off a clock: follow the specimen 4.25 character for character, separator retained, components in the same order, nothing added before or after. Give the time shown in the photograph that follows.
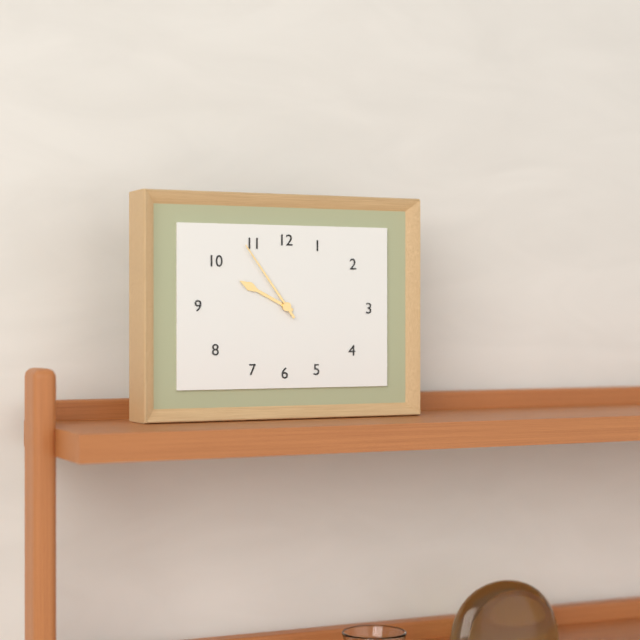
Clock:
9.54
